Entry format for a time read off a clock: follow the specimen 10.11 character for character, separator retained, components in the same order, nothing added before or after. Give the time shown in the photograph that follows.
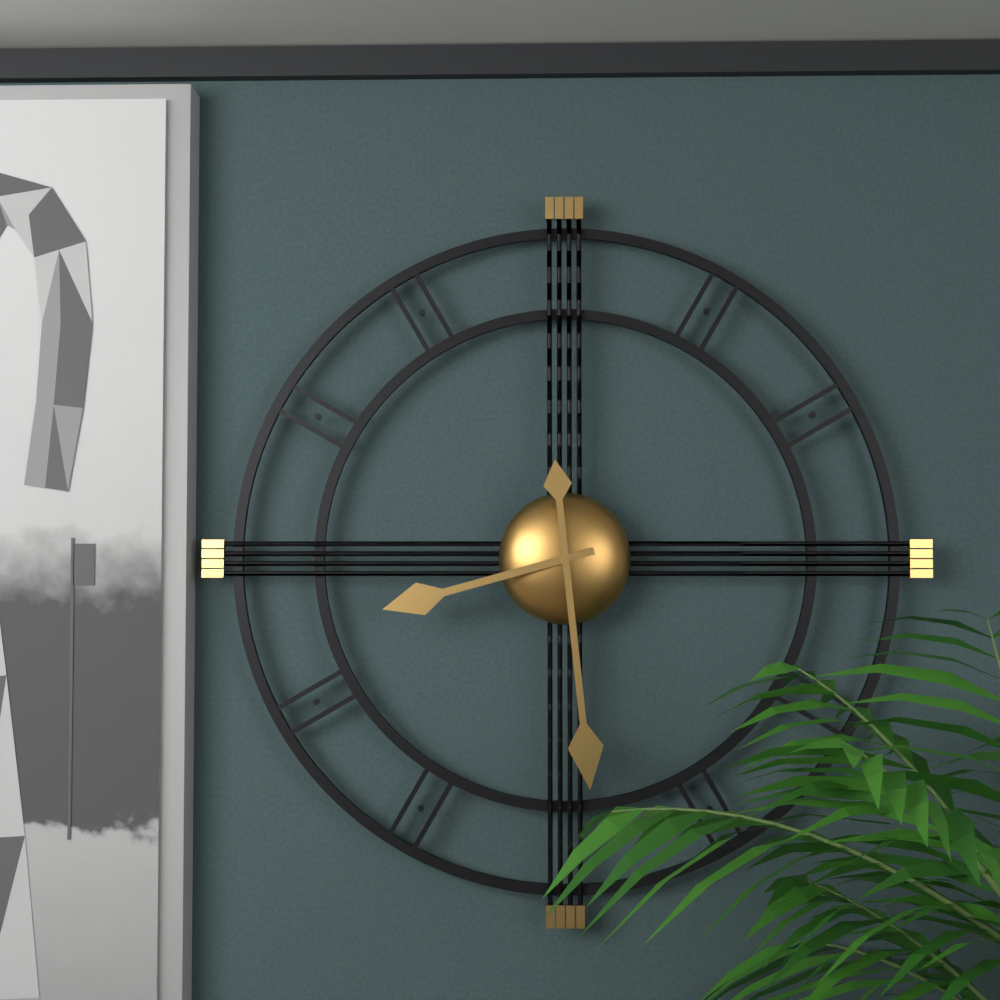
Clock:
8.29
